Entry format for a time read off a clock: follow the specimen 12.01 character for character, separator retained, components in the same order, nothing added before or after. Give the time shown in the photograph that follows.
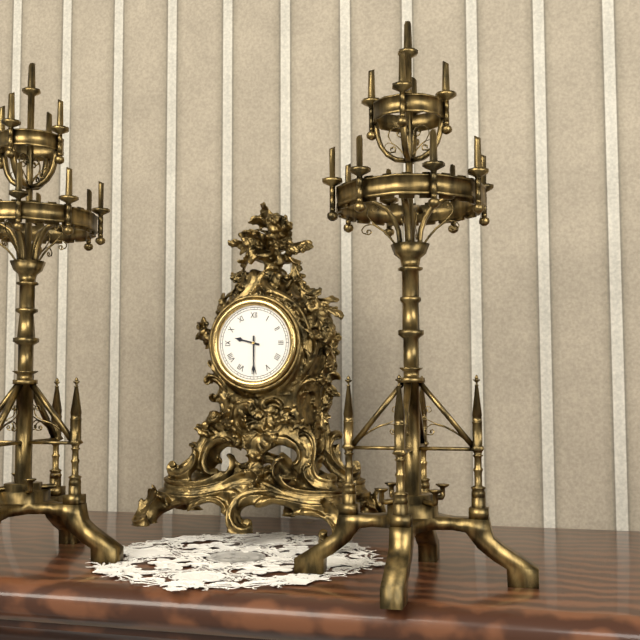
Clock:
9.30
